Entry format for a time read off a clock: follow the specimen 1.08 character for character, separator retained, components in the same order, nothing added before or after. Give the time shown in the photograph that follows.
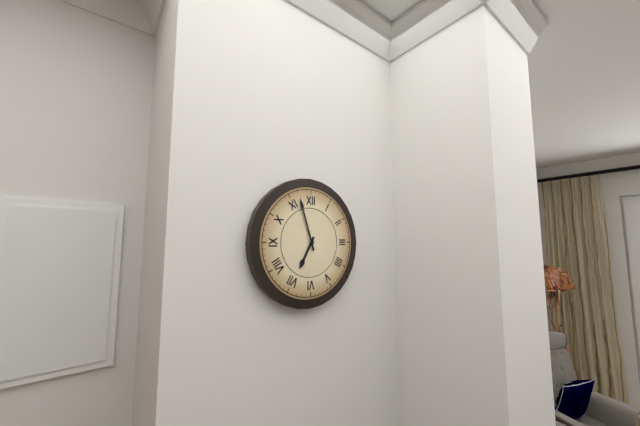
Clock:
6.57
